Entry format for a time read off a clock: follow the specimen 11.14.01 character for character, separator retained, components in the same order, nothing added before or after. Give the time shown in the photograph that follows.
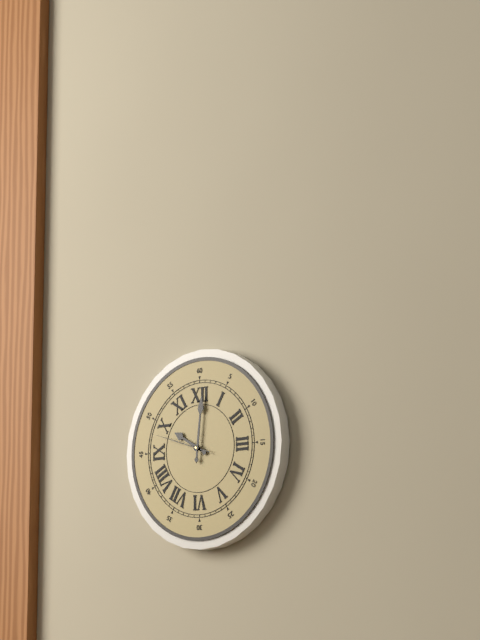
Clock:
10.01.48
